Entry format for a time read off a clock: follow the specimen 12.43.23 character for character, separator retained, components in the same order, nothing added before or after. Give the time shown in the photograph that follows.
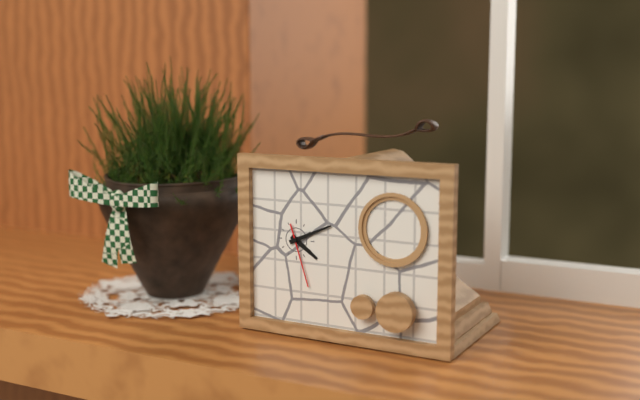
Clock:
4.11.27
